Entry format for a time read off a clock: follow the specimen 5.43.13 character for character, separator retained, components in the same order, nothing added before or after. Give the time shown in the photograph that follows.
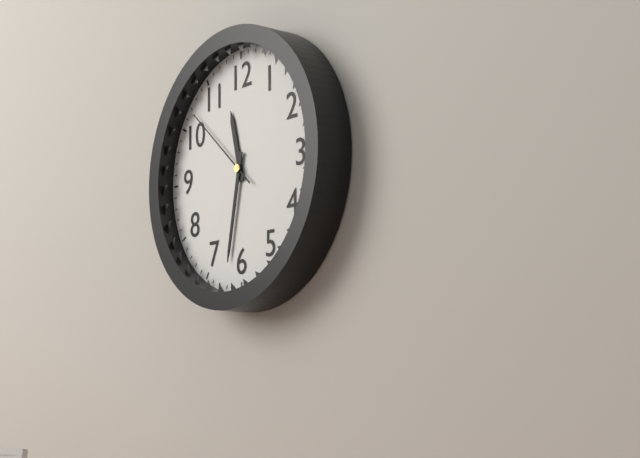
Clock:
11.32.52
